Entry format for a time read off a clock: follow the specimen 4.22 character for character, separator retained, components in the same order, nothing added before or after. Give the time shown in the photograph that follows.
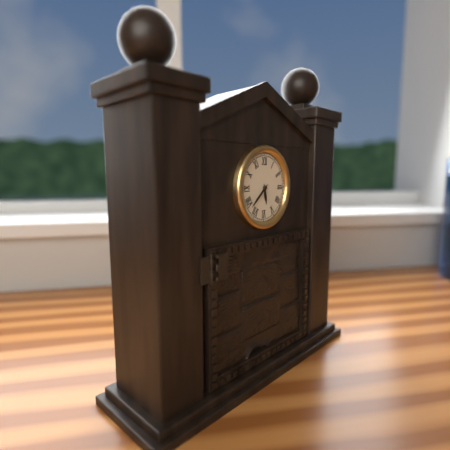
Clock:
5.38
